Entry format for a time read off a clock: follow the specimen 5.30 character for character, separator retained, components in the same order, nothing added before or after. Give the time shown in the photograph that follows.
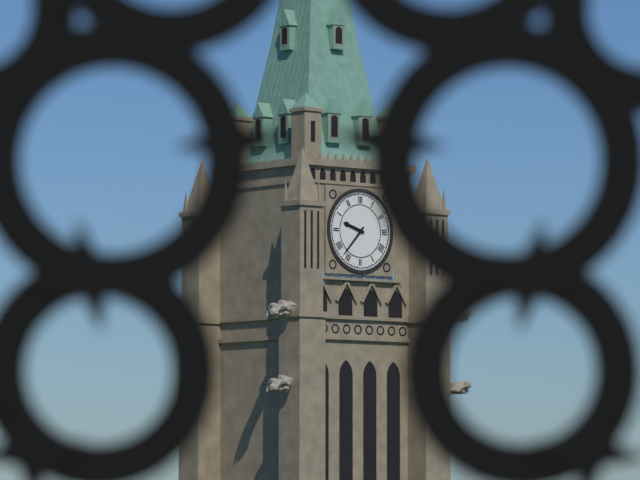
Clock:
9.37
